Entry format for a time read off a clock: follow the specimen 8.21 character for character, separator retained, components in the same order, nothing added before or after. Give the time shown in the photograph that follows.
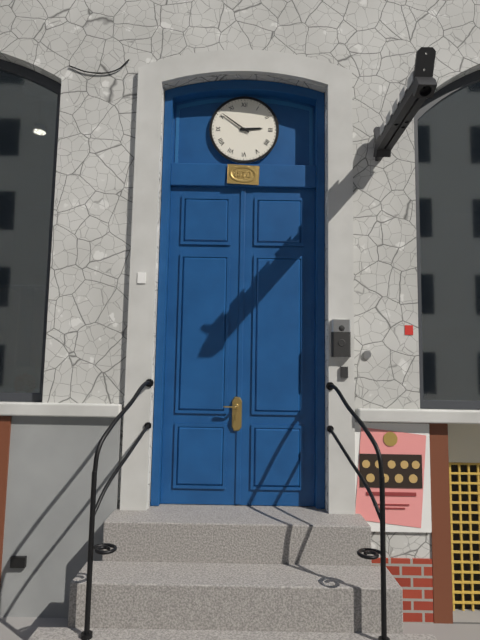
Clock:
2.51
